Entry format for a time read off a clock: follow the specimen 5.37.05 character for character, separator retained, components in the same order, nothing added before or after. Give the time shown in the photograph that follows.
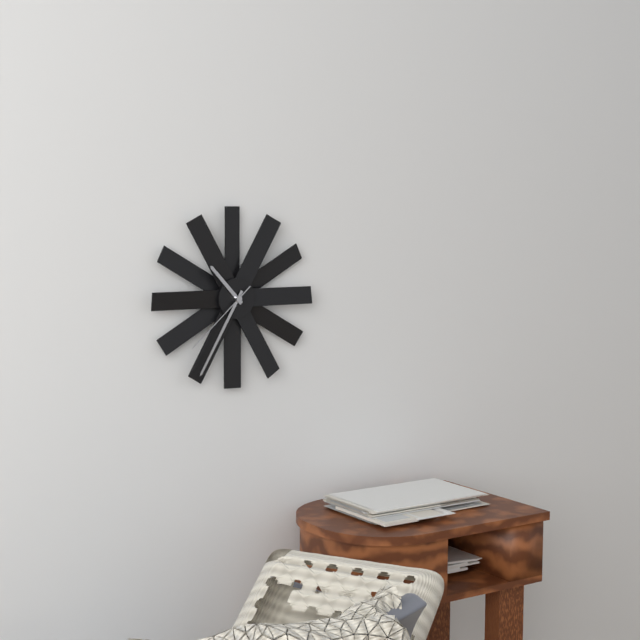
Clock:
10.35.38
